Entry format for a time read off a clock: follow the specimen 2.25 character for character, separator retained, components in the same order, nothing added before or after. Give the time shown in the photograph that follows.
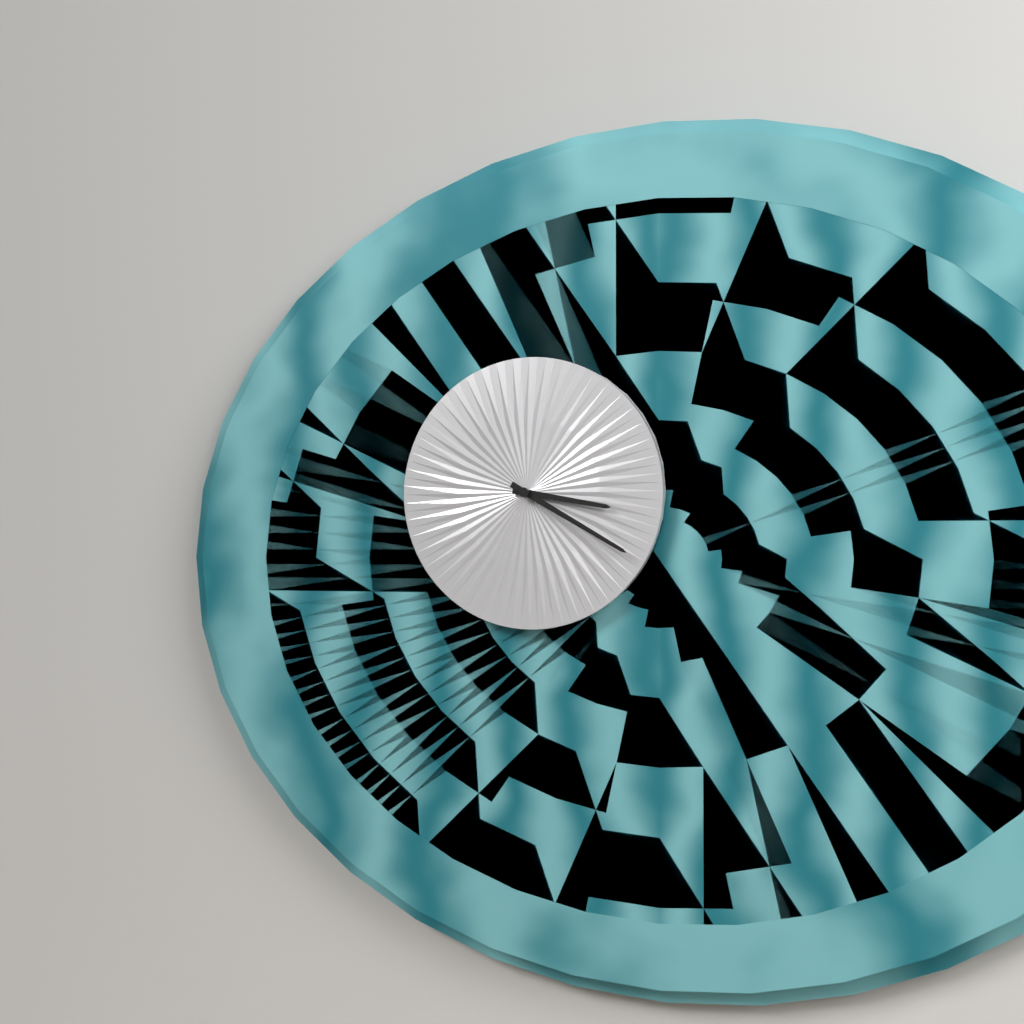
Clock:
3.20
